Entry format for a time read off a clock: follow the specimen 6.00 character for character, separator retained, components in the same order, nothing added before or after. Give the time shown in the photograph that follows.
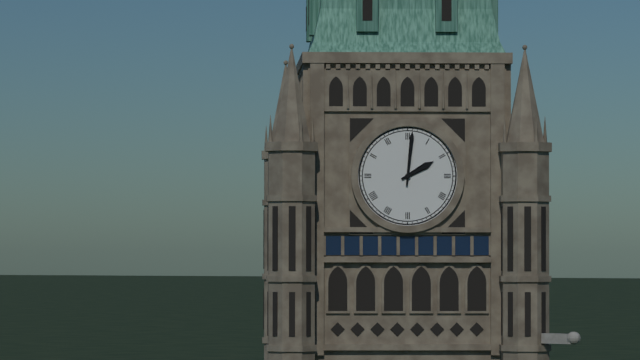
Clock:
2.01
